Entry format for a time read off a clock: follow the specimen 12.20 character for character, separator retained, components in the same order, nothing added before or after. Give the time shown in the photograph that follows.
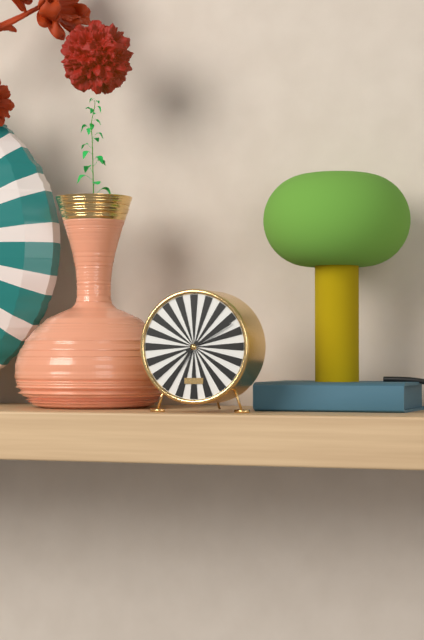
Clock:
7.10
